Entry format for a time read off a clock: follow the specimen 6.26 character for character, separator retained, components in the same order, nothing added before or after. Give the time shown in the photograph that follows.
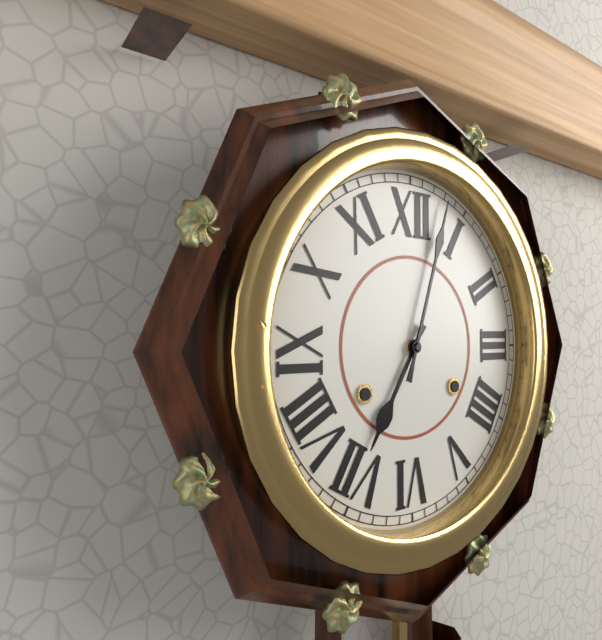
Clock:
7.03
